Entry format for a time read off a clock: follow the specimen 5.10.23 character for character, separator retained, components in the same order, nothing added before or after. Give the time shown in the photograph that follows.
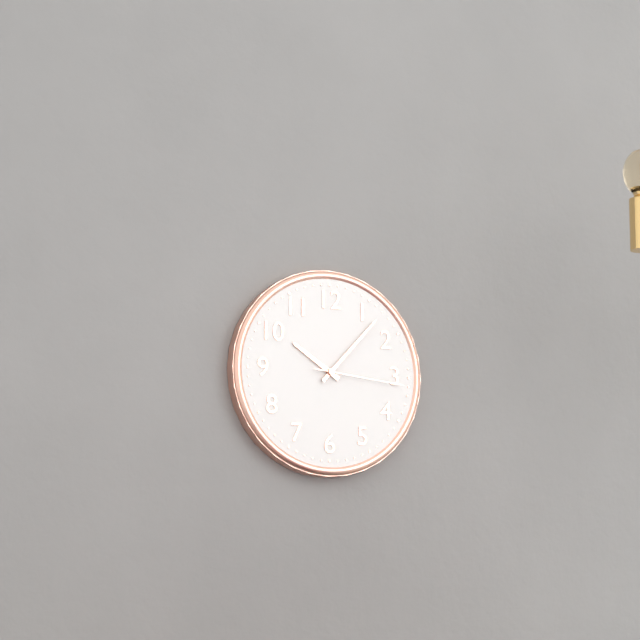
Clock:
10.07.16
